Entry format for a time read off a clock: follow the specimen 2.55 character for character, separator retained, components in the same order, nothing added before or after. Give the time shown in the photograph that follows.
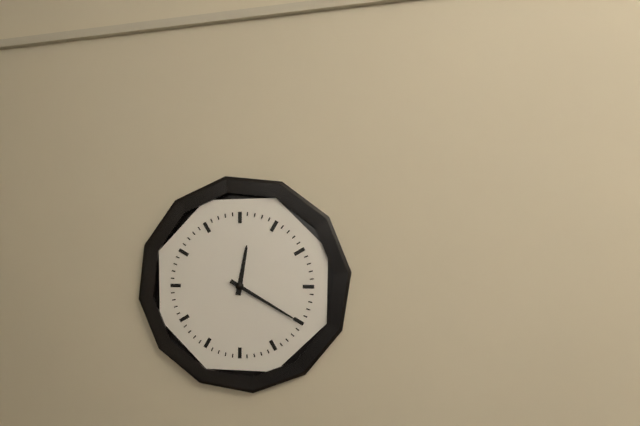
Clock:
12.20
